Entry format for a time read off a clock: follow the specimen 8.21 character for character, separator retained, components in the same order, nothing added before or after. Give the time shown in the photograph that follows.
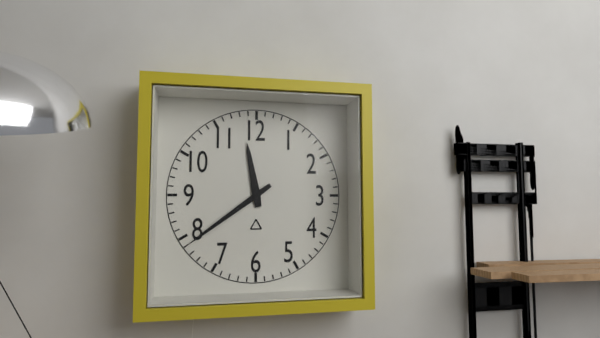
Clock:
11.39
